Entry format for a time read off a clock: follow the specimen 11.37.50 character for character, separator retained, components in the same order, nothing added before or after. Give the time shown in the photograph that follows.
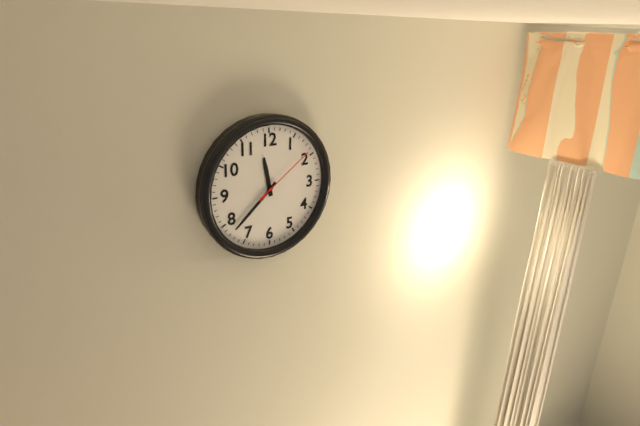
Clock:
11.38.09
